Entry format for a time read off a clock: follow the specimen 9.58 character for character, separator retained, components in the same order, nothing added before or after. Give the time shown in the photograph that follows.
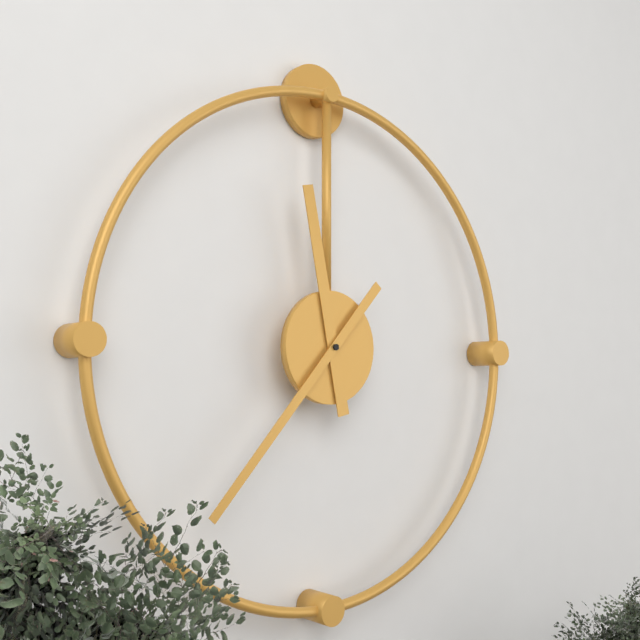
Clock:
11.37
